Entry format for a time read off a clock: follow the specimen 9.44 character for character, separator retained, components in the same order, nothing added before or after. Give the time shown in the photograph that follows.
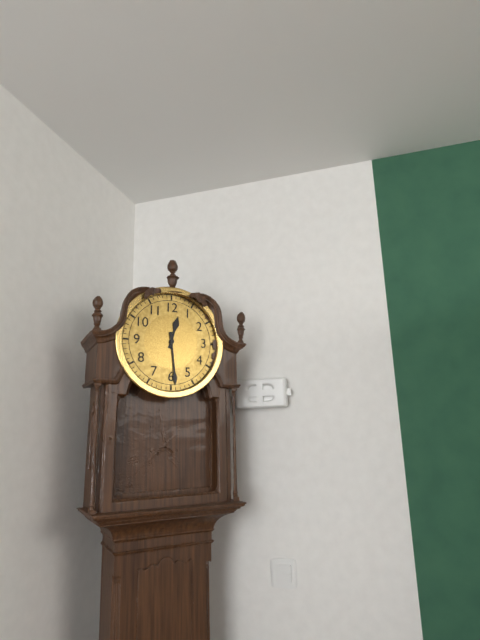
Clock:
12.29
